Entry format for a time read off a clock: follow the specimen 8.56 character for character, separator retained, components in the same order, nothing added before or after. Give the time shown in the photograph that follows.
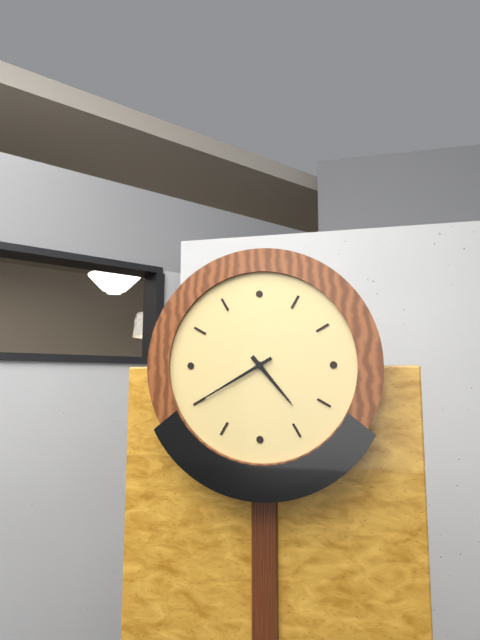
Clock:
4.40
